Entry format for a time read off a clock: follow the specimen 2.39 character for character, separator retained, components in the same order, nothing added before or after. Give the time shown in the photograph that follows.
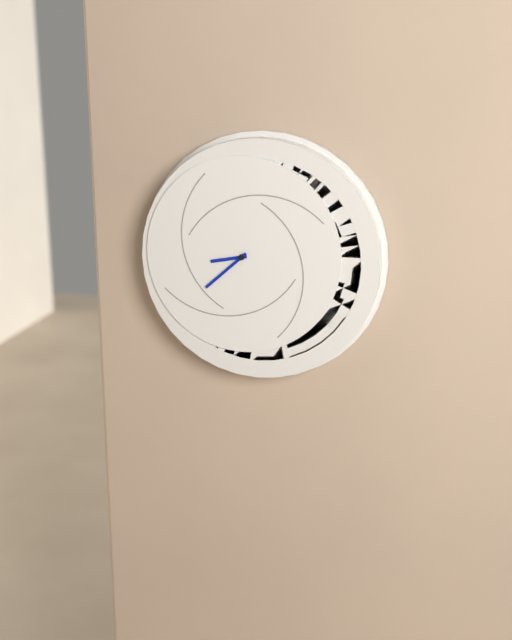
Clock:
8.38
